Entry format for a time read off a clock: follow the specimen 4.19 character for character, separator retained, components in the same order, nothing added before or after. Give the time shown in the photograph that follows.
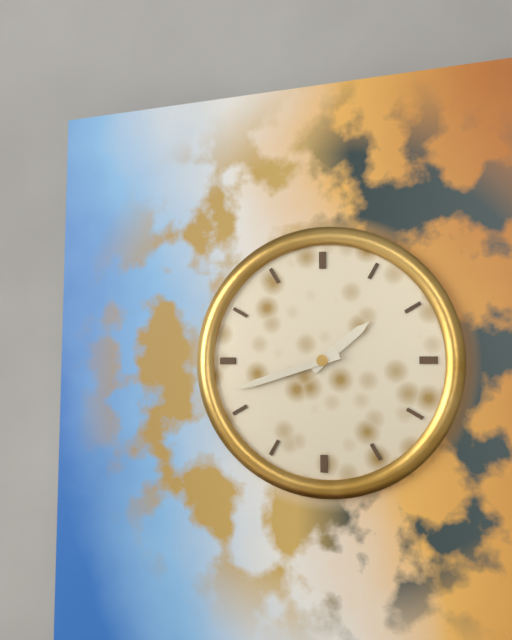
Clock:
1.42
